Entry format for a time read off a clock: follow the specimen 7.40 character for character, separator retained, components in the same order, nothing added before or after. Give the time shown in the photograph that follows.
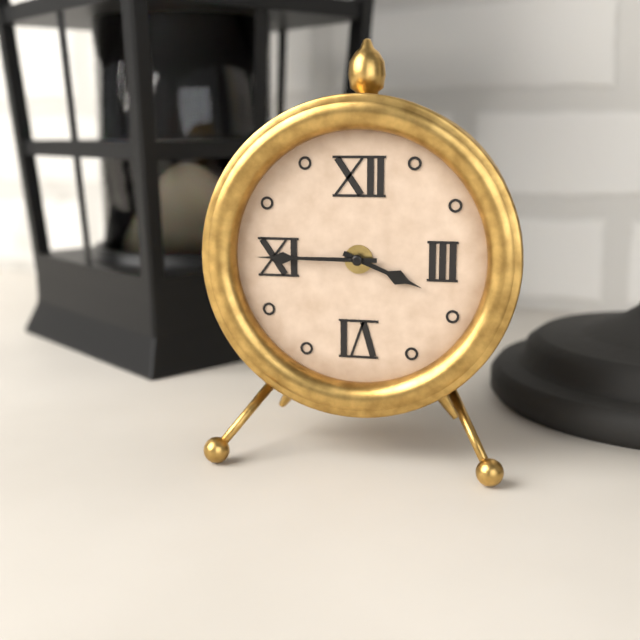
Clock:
3.45
